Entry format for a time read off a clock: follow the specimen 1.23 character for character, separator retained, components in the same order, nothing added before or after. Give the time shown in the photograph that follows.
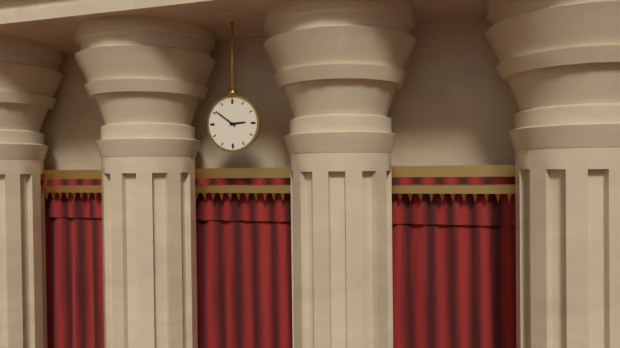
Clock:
2.51
